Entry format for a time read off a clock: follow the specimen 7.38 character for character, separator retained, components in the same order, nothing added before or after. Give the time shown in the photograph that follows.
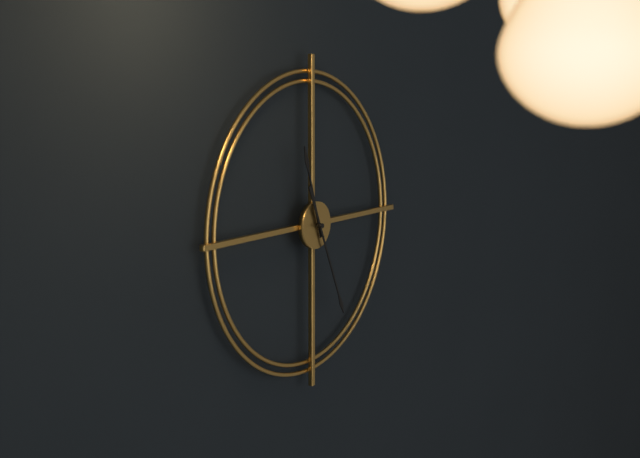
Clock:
11.26
